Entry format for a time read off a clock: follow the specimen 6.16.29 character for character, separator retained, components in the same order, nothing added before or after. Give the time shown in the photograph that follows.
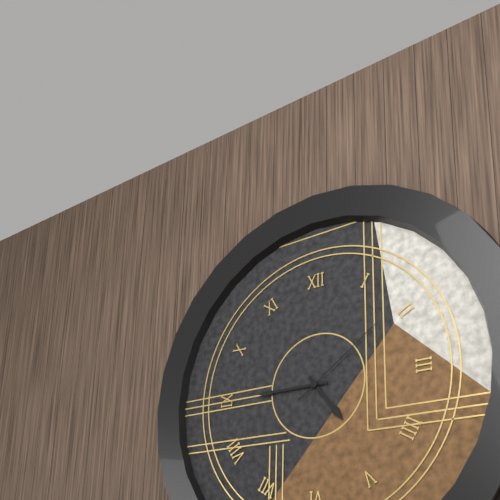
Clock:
4.45.09
